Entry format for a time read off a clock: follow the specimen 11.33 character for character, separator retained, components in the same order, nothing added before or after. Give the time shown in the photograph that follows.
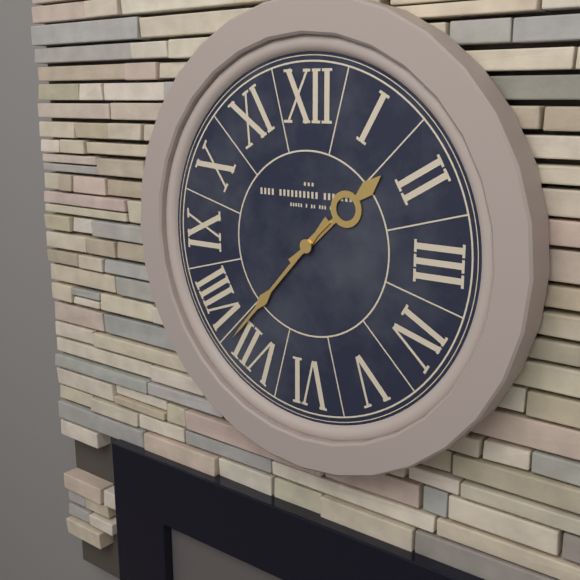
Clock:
1.37
